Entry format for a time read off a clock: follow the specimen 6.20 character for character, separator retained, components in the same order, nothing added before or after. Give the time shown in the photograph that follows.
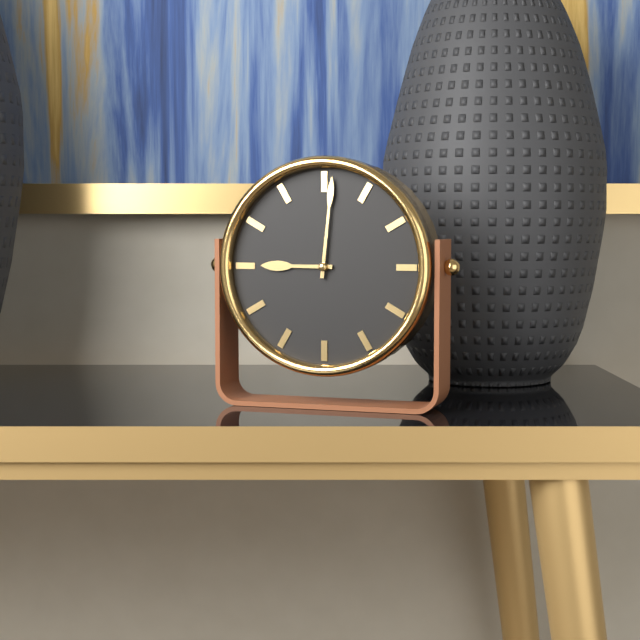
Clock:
9.01
